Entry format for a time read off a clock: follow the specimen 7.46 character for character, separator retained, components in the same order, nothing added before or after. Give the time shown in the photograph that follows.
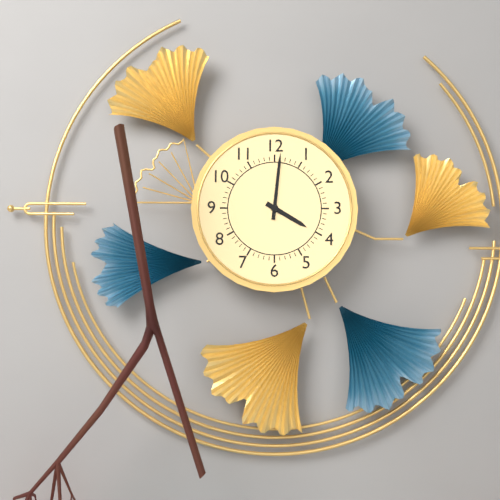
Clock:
4.01
